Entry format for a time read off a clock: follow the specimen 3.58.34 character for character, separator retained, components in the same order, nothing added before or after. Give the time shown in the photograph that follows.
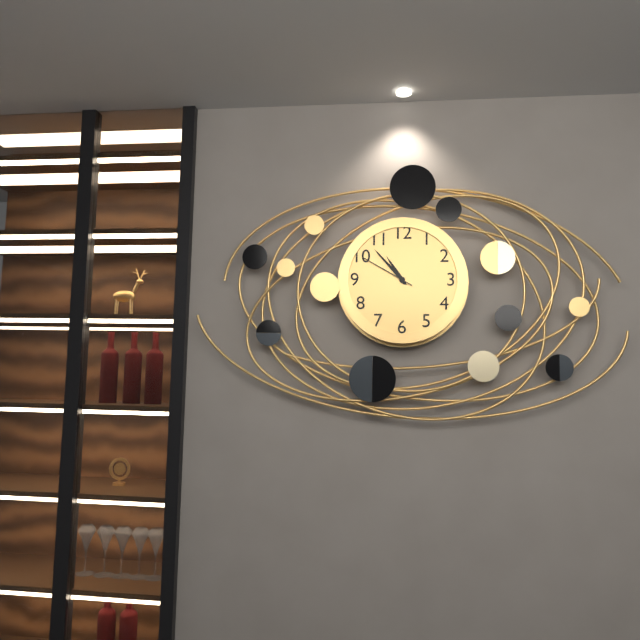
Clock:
10.53.50
